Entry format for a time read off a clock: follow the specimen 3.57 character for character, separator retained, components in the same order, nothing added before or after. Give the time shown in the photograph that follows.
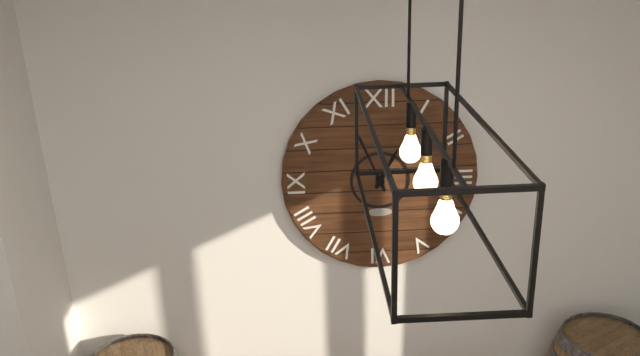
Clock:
12.56
